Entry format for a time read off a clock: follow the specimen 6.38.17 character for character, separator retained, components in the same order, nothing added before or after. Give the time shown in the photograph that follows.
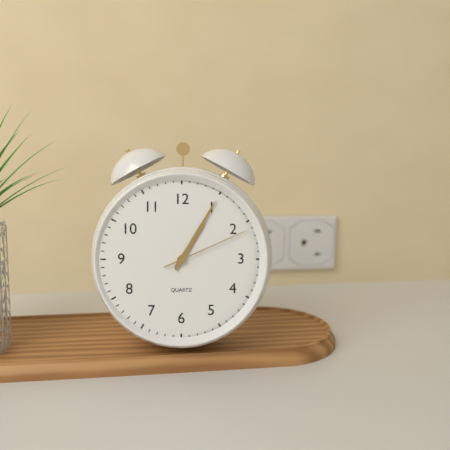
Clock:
1.05.11
